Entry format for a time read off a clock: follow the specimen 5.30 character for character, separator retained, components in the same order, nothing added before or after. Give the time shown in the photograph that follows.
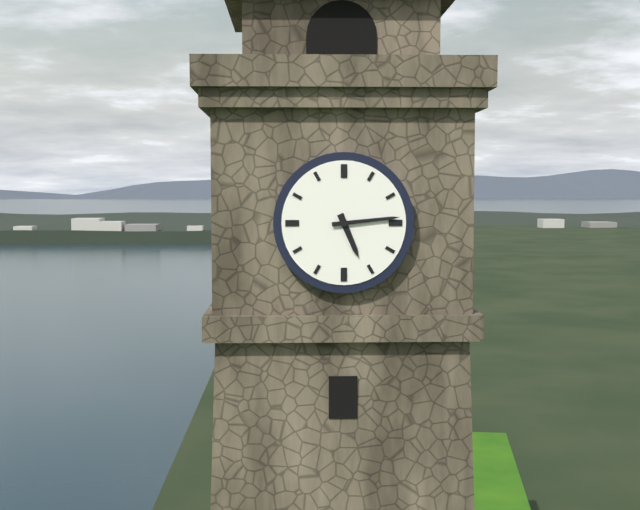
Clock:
5.14
